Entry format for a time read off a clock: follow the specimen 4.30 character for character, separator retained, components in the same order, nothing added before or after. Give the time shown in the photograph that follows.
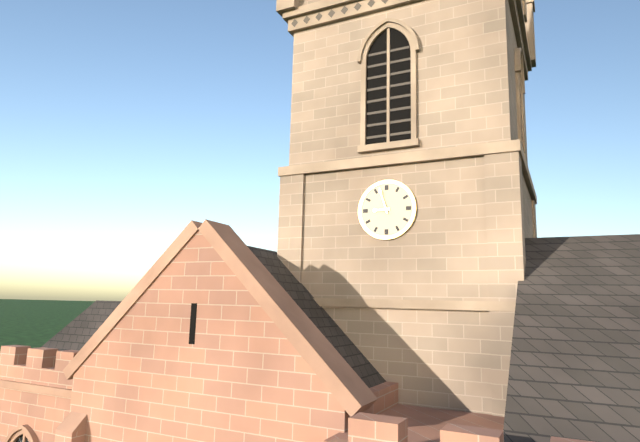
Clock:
8.57
